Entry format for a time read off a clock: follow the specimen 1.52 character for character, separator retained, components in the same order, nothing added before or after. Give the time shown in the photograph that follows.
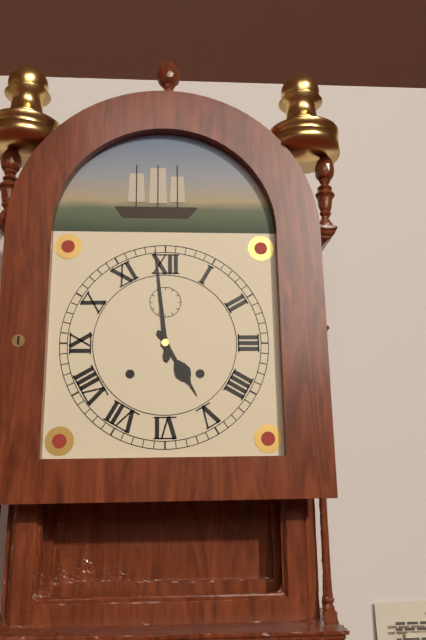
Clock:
4.59
